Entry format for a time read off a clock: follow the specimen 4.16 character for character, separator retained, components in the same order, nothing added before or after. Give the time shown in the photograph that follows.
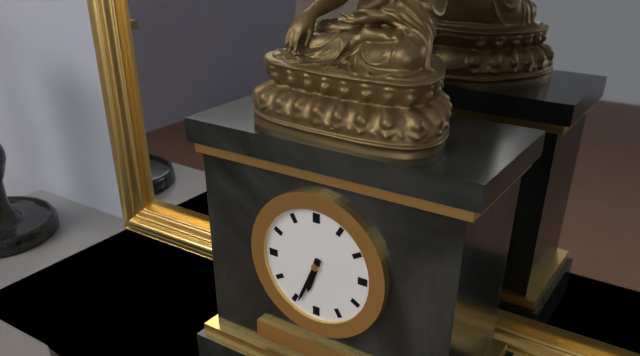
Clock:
6.34
